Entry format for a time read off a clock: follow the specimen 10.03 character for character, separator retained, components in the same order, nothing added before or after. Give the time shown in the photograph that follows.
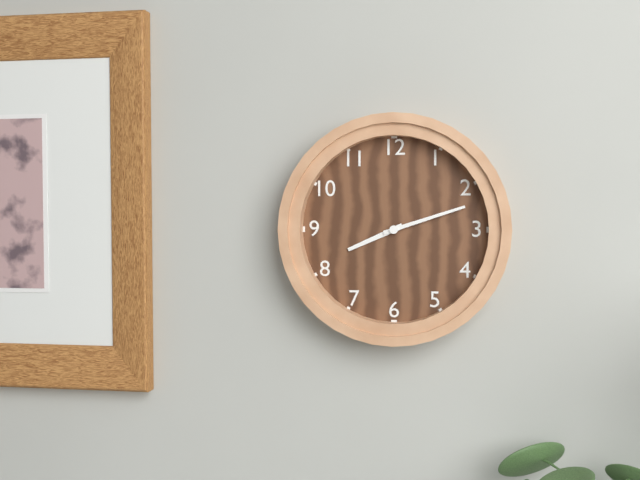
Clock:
8.12
